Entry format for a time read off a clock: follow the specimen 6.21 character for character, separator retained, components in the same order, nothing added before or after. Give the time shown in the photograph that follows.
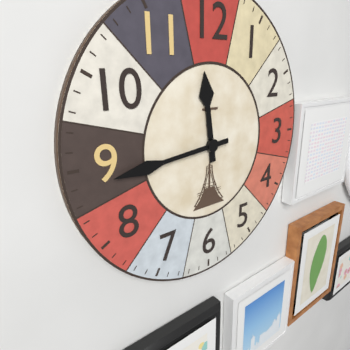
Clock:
11.44
